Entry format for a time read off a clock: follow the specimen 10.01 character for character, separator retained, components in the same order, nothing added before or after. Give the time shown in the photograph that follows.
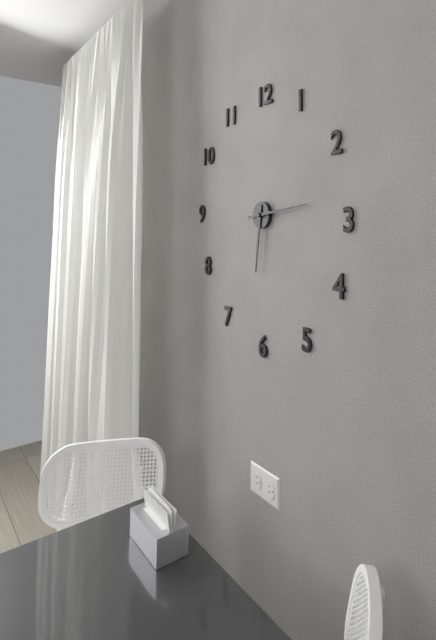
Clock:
6.14
